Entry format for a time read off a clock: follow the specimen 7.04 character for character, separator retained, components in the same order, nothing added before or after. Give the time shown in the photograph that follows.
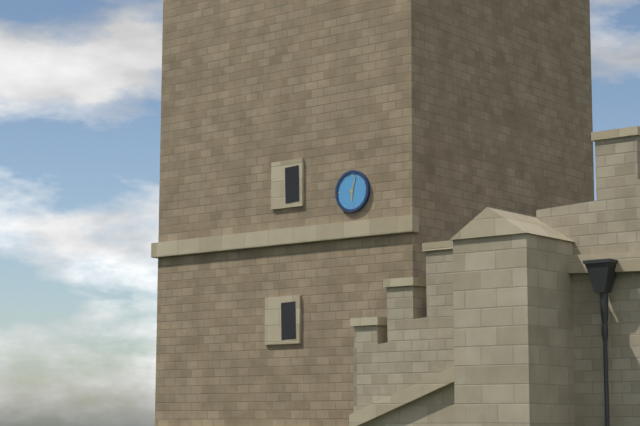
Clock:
6.03
